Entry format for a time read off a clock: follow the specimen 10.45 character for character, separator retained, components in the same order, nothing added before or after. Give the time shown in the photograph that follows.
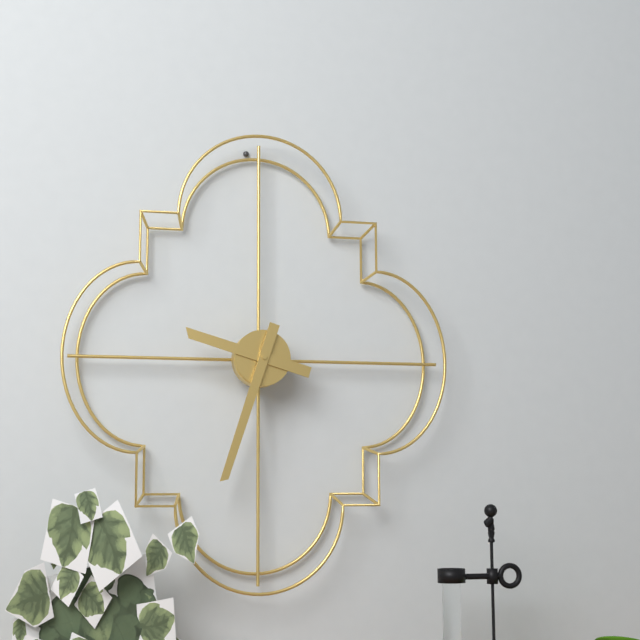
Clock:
9.33
